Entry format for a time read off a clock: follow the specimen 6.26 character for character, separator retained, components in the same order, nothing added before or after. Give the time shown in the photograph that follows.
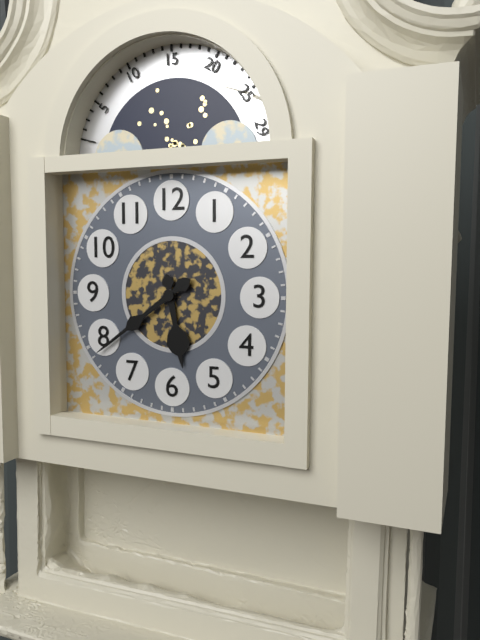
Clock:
5.39
